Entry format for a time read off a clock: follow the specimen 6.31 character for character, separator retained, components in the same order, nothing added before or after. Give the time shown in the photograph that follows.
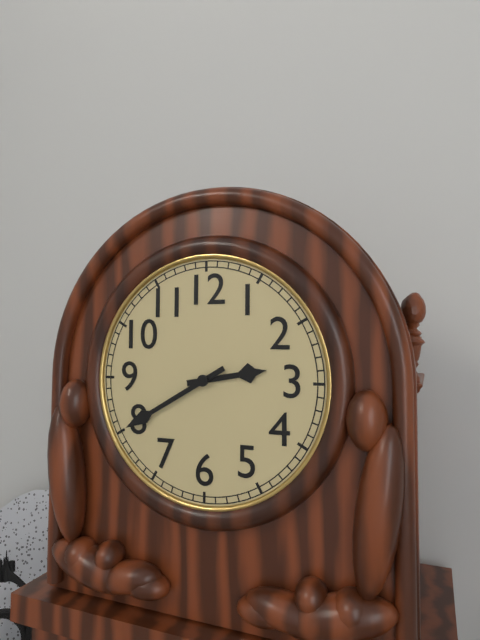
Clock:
2.40
